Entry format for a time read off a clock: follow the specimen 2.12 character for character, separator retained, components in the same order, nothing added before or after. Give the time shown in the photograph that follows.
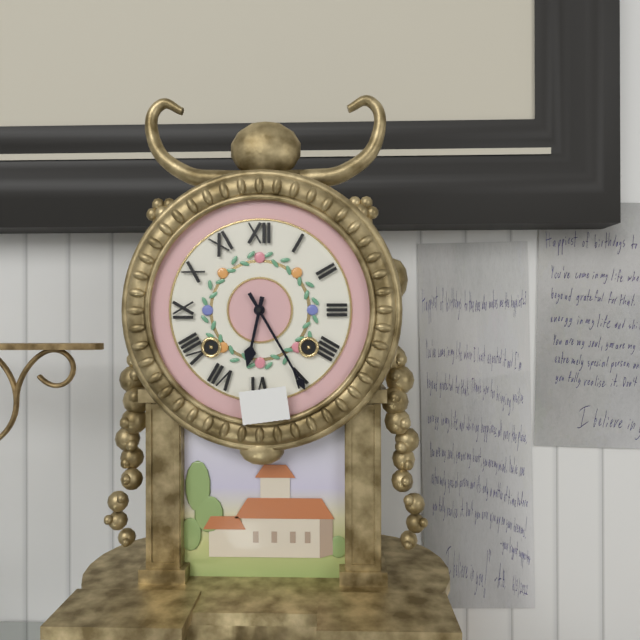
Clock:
6.25
